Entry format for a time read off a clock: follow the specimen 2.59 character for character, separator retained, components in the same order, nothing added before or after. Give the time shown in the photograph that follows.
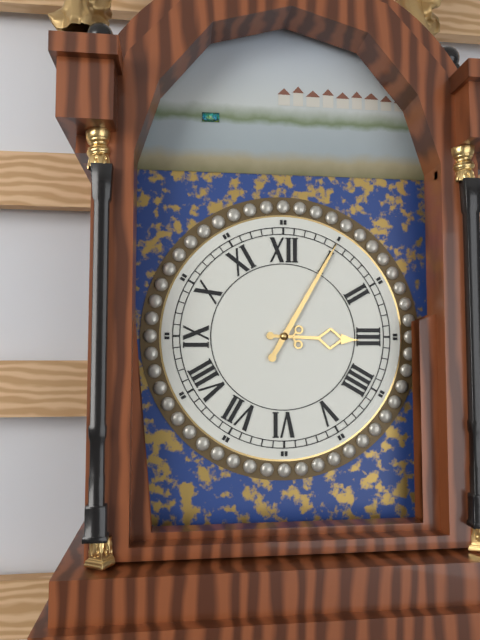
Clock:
3.05
